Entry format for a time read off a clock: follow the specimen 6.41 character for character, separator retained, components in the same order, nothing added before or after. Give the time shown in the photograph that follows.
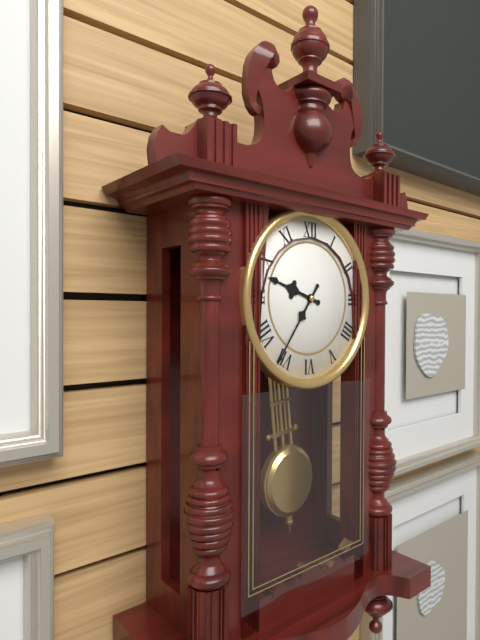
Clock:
9.36
